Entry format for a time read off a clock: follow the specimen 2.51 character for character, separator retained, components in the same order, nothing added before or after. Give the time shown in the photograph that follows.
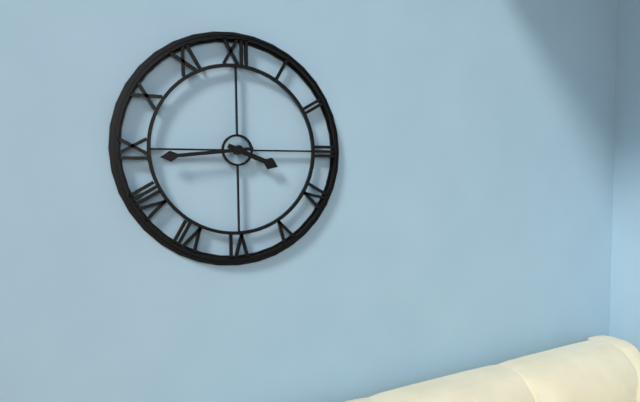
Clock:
3.44
